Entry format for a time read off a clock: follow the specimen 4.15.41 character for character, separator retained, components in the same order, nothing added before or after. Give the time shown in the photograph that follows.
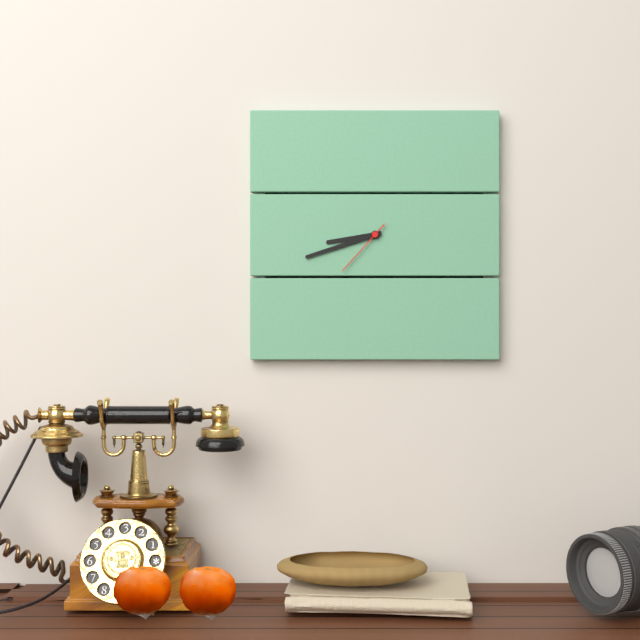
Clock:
8.42.37
